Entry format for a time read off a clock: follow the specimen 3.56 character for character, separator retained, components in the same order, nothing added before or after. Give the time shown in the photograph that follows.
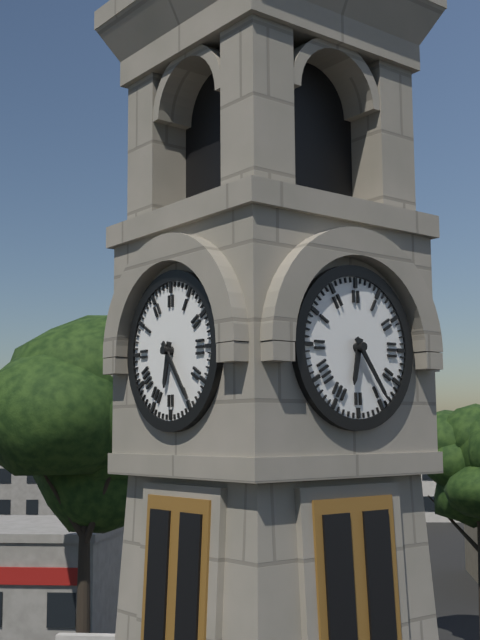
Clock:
6.24
